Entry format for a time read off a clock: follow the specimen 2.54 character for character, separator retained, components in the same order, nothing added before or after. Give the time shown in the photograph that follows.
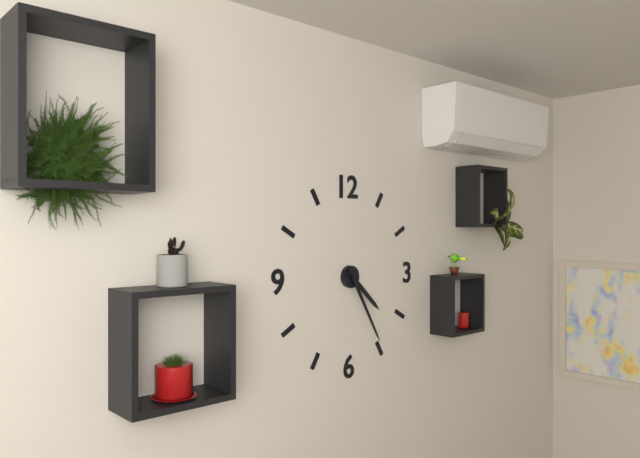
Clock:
4.25
